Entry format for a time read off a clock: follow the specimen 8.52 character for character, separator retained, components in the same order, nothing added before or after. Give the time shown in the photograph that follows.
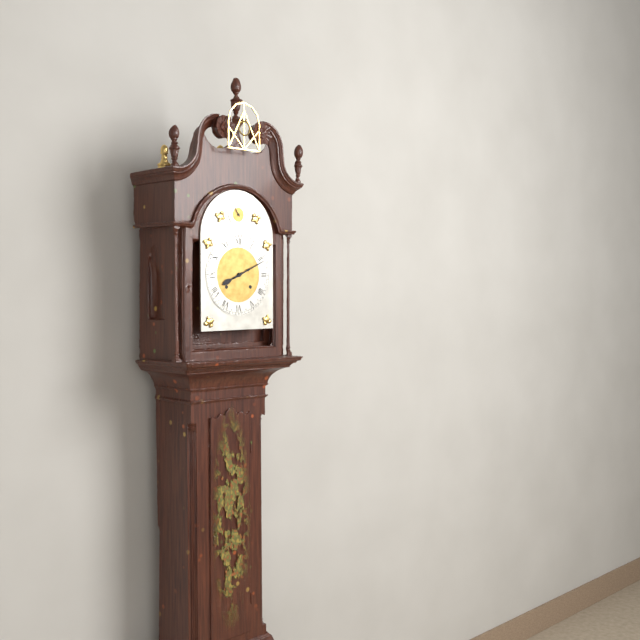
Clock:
8.11
